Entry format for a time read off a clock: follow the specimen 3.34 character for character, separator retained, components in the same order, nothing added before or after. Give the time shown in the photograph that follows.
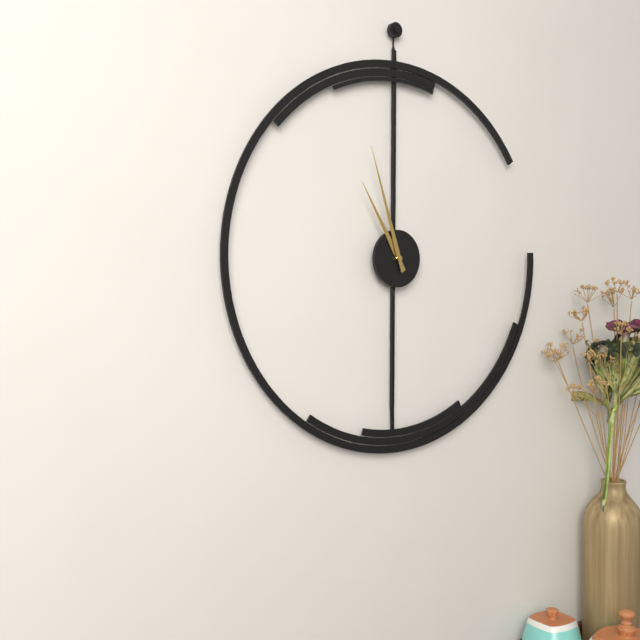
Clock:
10.57
